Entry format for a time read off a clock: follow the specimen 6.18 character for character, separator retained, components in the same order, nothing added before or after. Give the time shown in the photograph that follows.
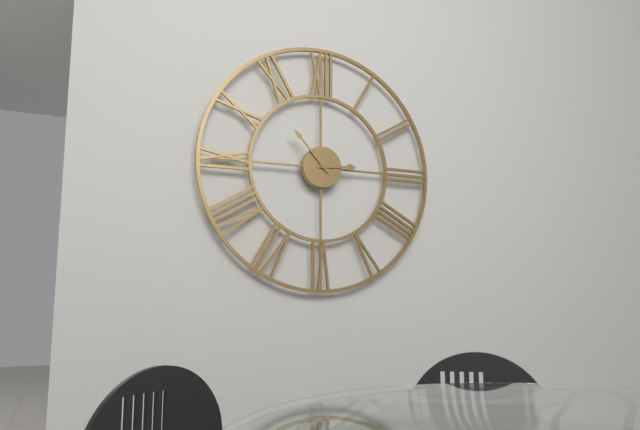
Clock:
2.53
